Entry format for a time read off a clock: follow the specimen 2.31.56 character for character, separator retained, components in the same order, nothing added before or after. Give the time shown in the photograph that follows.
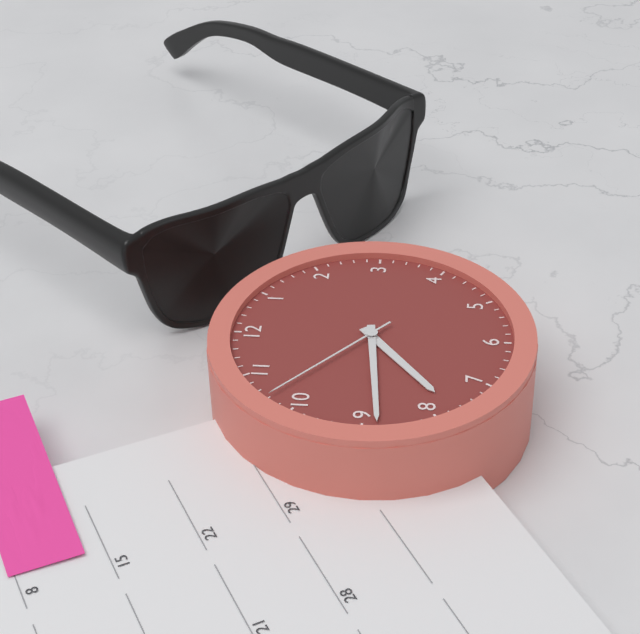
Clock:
7.44.52
